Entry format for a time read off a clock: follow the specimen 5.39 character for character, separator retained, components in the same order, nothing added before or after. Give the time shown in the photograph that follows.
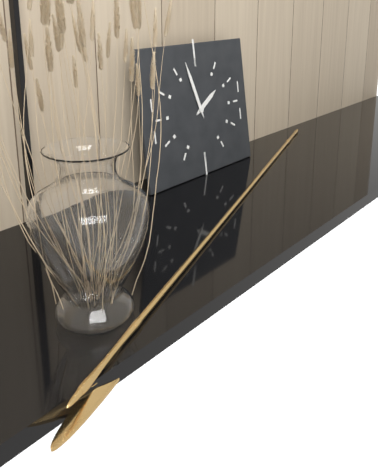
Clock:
1.57
